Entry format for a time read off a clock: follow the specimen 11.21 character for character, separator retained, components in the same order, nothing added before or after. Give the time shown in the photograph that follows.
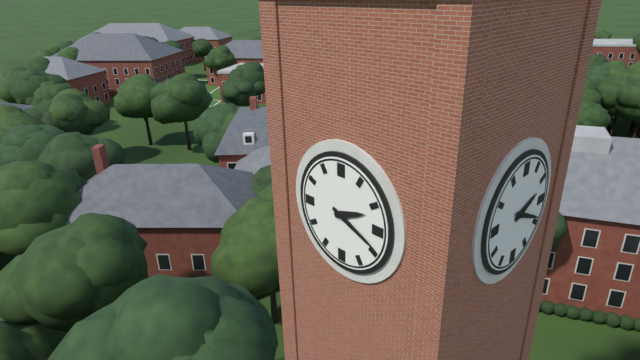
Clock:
2.19
